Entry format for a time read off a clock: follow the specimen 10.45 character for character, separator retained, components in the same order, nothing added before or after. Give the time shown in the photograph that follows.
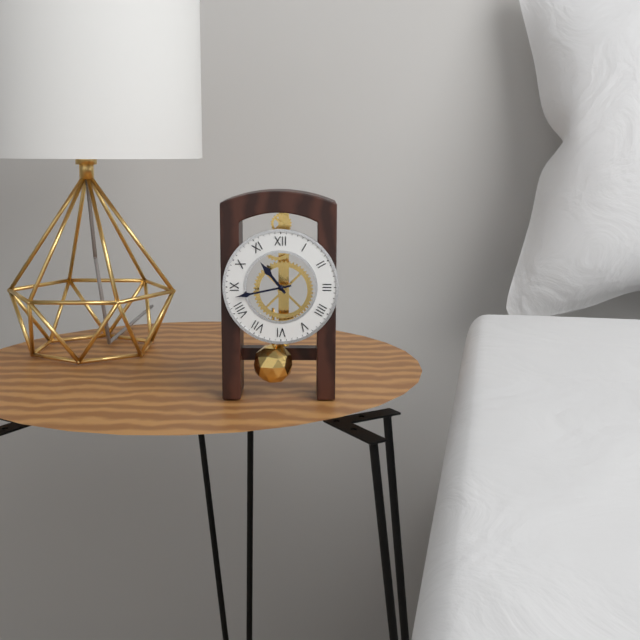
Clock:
10.43
